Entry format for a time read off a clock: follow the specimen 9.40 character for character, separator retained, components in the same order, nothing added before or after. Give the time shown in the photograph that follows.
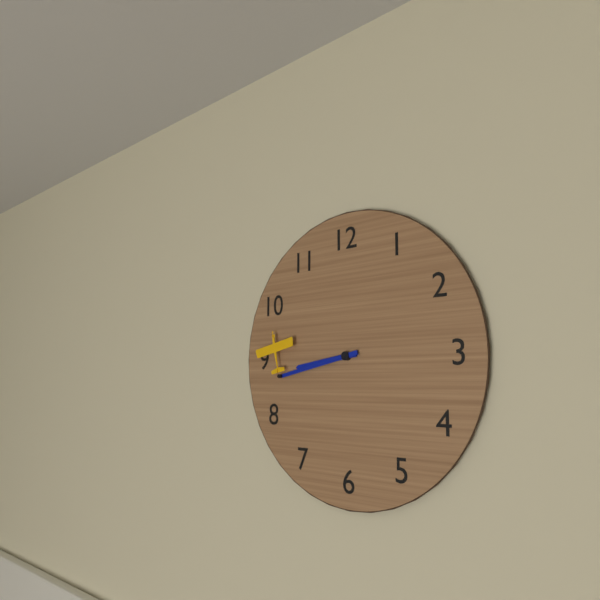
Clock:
8.43
